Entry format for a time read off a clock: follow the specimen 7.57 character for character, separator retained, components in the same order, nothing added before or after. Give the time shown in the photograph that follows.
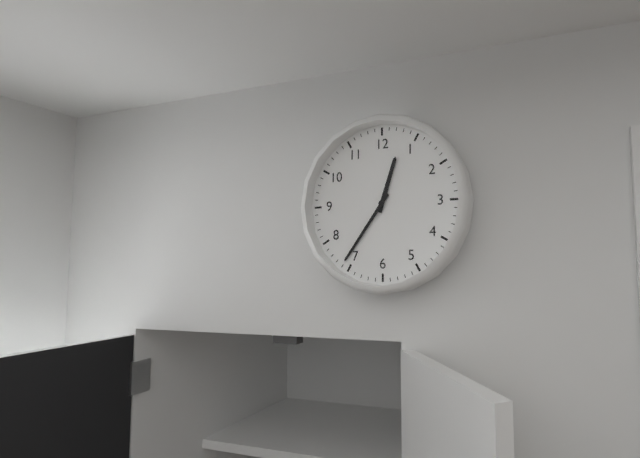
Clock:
12.36
